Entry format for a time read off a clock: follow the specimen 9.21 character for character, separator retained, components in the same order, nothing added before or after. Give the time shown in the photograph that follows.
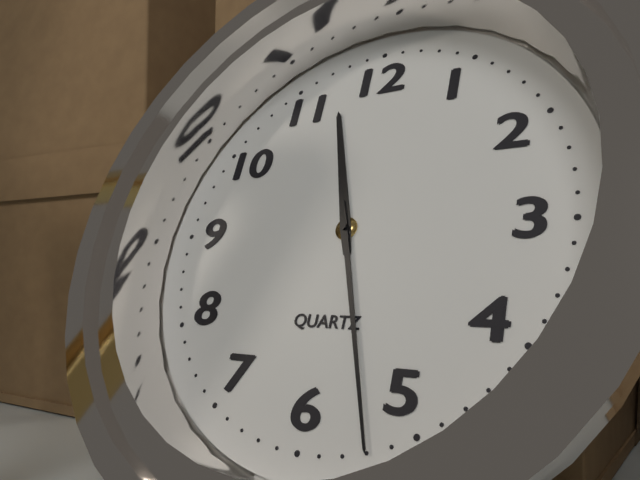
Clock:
11.27
